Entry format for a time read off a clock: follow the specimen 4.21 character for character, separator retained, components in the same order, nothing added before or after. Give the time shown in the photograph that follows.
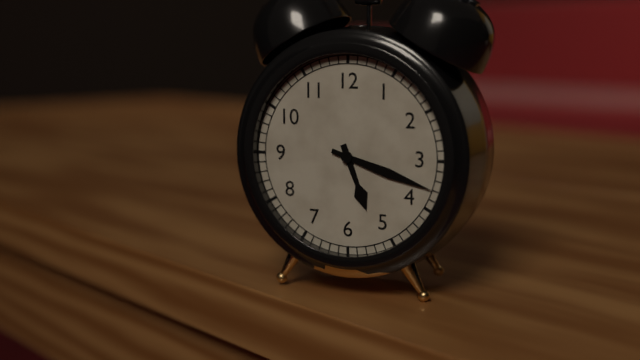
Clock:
5.18
